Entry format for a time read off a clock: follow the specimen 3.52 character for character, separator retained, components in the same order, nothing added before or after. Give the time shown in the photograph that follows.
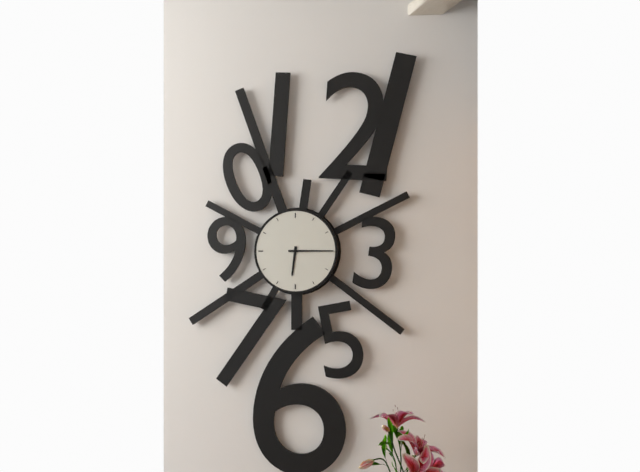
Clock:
6.15
